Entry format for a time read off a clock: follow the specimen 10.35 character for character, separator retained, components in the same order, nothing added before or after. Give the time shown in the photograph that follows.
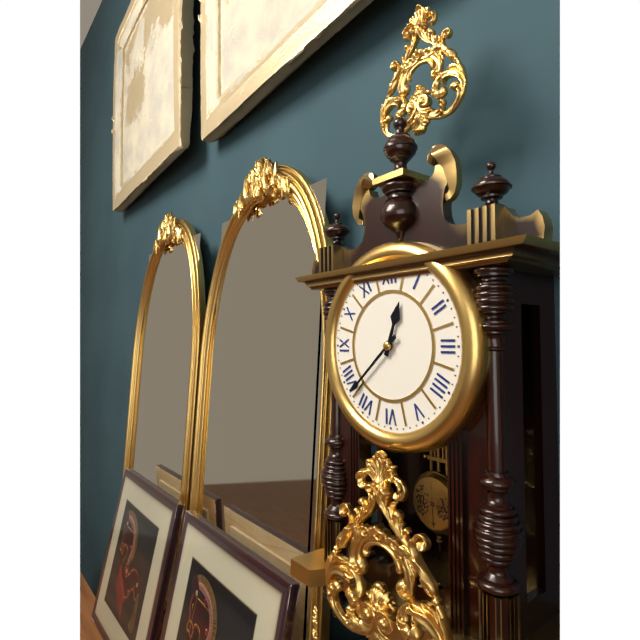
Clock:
12.38
